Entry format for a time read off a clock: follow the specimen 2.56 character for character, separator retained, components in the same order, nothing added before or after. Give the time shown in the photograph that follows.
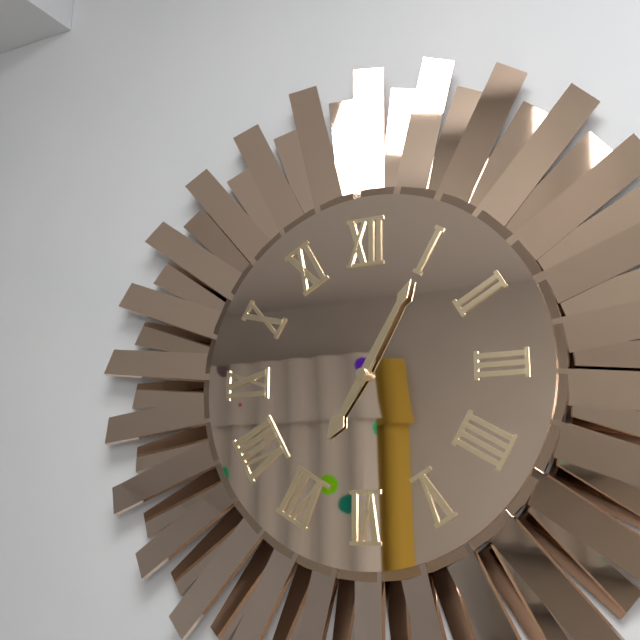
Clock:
7.05
